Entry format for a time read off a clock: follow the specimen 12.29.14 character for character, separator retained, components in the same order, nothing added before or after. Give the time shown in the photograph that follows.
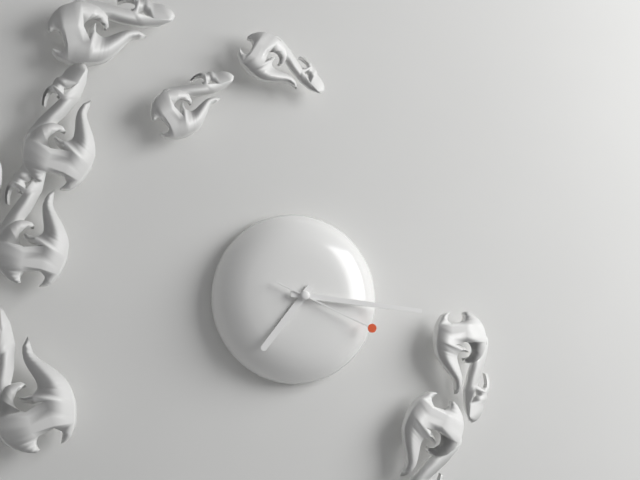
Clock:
7.16.19
